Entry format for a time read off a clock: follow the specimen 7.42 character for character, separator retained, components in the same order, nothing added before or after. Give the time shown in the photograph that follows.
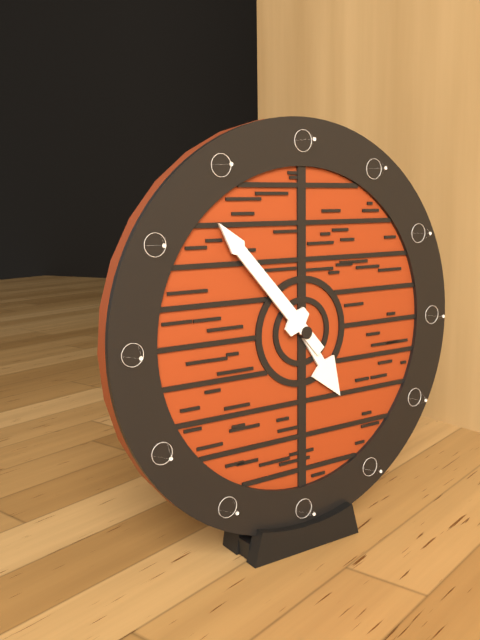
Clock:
4.53
